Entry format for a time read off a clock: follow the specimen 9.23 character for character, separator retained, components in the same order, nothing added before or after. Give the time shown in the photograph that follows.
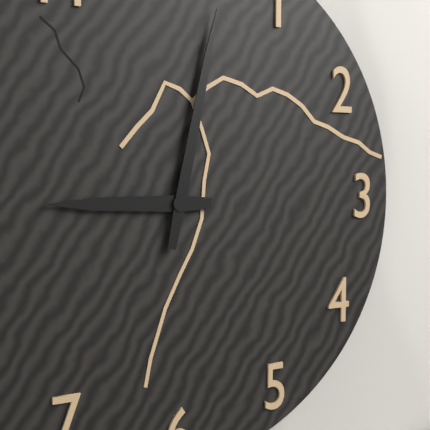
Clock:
9.02
